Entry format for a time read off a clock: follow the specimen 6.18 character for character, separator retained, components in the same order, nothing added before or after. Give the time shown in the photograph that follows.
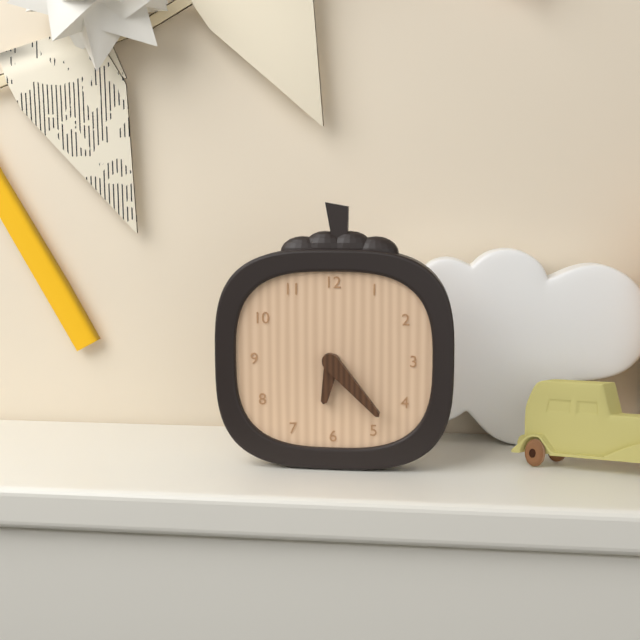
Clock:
6.23
